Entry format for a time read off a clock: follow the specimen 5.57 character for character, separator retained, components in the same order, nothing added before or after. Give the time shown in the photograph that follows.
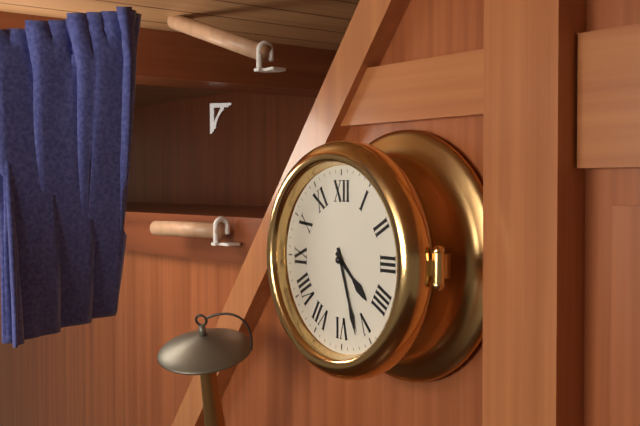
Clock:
4.27
